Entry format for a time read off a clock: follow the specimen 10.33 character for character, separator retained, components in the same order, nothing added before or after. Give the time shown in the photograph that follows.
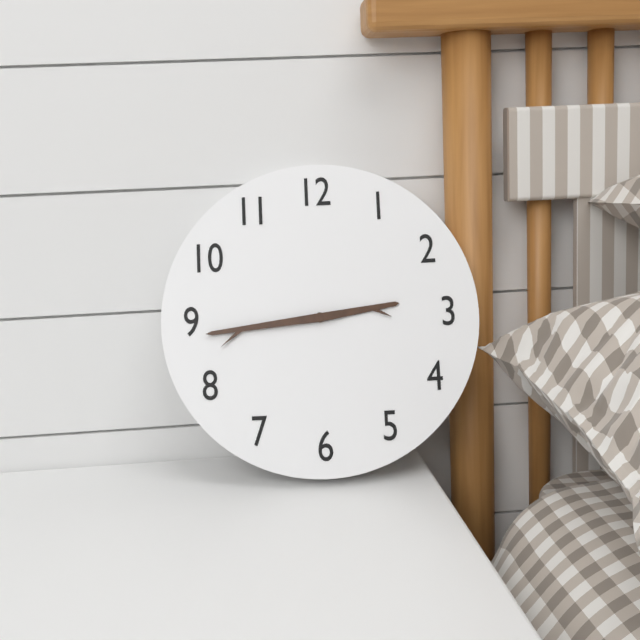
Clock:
2.44
